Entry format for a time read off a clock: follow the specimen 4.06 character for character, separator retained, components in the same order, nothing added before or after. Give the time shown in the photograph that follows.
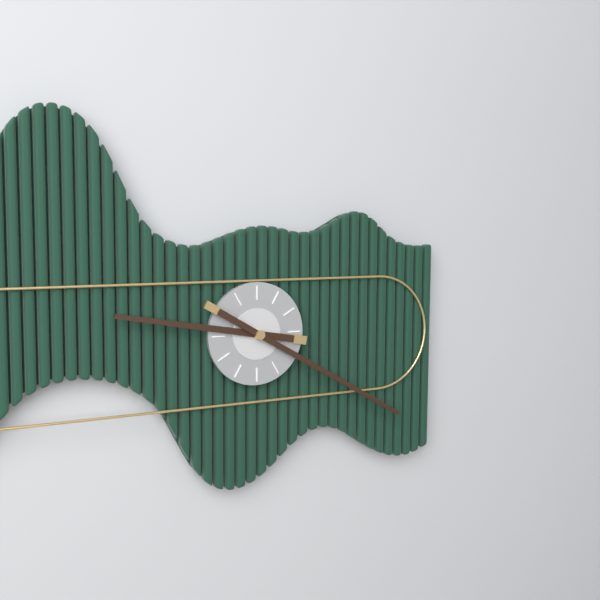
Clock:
9.20
